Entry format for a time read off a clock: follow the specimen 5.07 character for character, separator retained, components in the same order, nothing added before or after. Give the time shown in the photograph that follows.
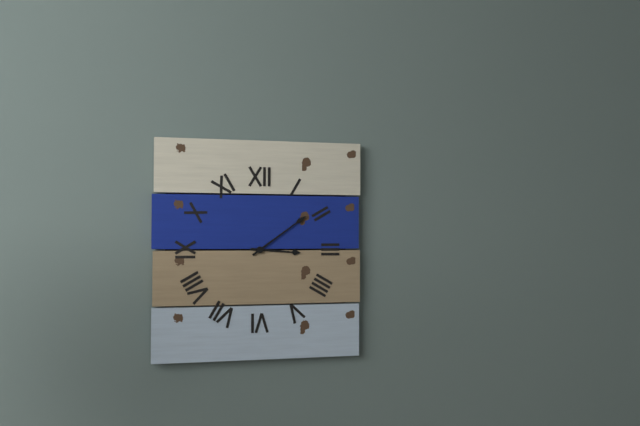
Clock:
3.09
